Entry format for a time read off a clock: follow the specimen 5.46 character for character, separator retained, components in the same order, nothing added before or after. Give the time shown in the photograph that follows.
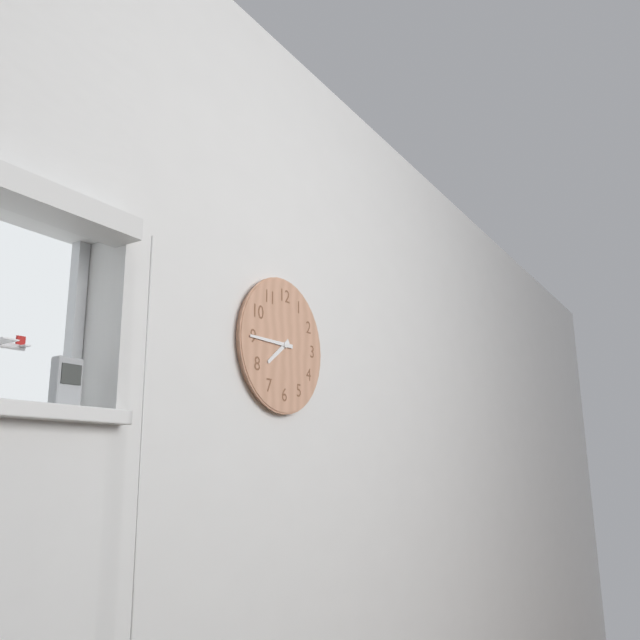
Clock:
7.45
